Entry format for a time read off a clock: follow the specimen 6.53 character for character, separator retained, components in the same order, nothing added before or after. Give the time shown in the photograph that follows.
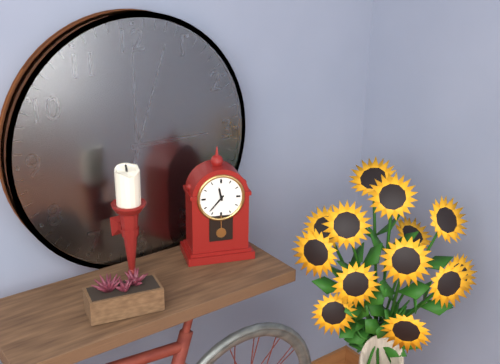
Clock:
11.37
